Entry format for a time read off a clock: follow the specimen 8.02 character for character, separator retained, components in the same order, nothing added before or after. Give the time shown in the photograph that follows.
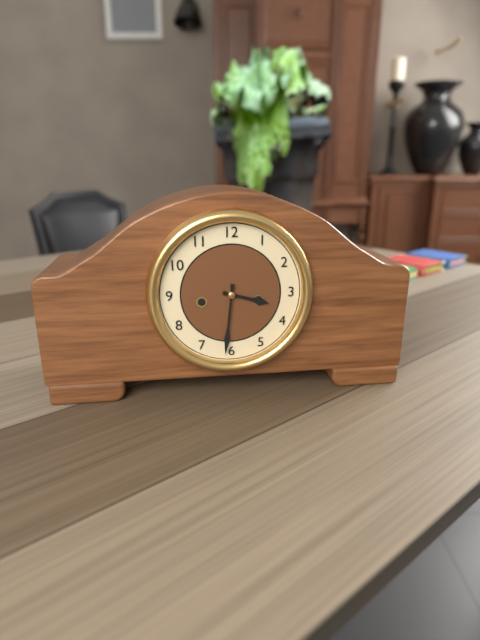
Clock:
3.31
